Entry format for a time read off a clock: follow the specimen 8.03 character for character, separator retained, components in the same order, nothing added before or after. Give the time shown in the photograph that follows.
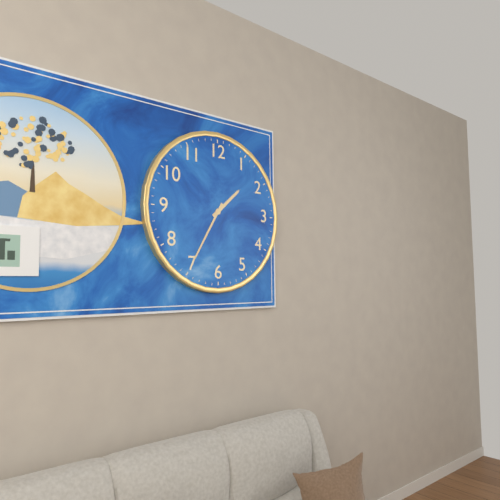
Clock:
1.35
